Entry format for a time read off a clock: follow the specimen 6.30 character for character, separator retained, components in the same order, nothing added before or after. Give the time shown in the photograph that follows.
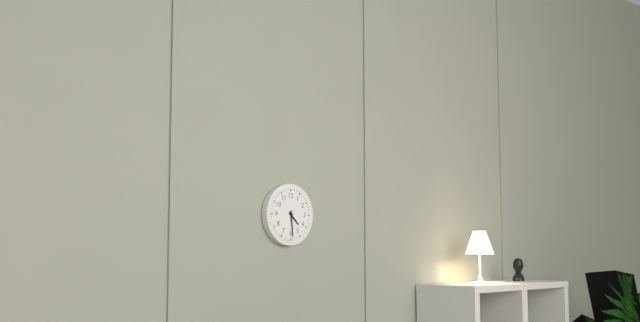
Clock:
4.29
